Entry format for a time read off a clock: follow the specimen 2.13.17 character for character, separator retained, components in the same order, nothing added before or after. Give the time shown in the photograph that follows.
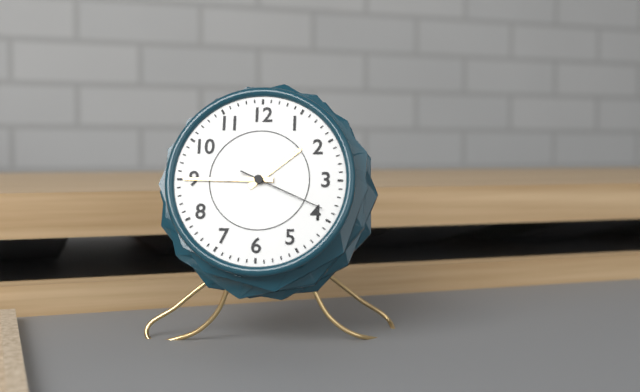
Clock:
1.45.19
